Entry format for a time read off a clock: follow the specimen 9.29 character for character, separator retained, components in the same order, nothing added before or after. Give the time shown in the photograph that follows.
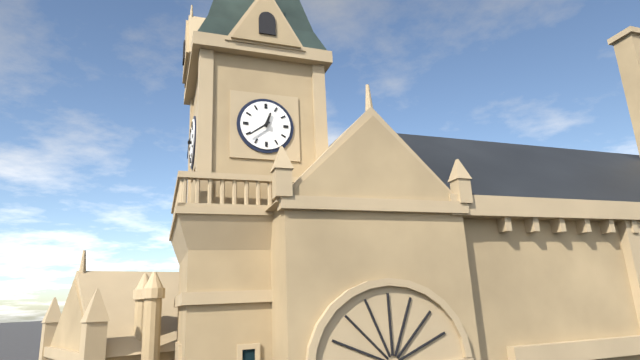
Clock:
12.39
